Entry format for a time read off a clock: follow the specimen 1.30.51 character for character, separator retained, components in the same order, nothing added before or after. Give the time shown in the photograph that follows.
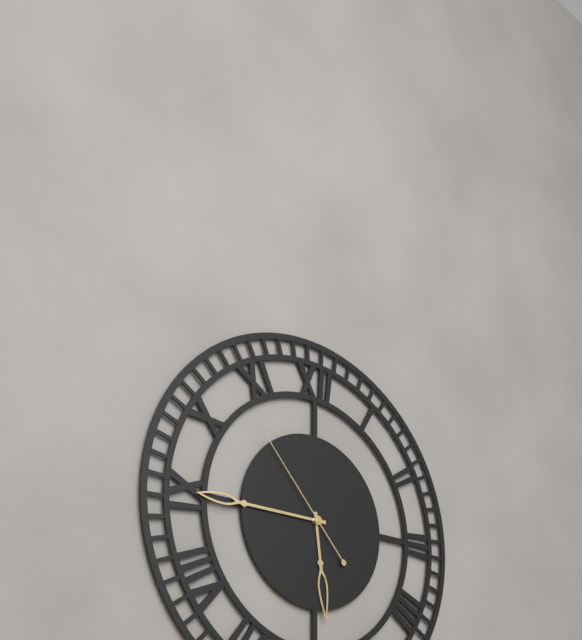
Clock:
5.45.53
